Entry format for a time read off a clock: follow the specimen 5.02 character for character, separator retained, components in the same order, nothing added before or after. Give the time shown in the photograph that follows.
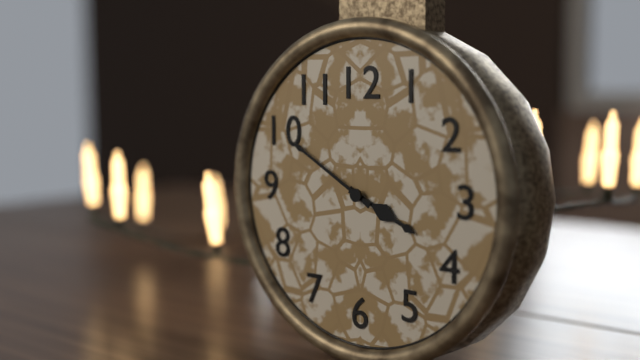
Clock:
3.50
